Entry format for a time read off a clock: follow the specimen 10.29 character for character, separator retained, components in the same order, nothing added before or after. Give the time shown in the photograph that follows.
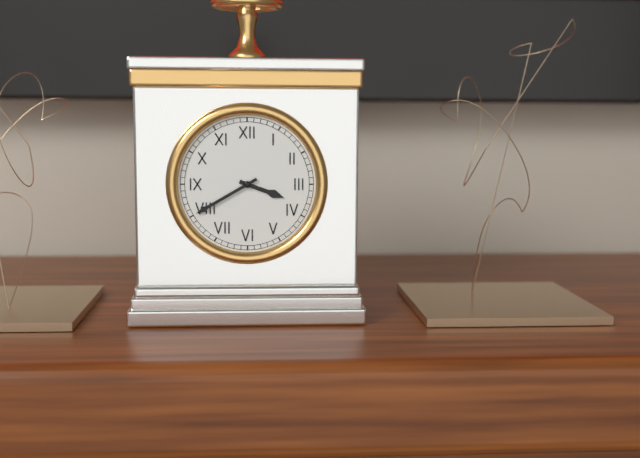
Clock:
3.40
